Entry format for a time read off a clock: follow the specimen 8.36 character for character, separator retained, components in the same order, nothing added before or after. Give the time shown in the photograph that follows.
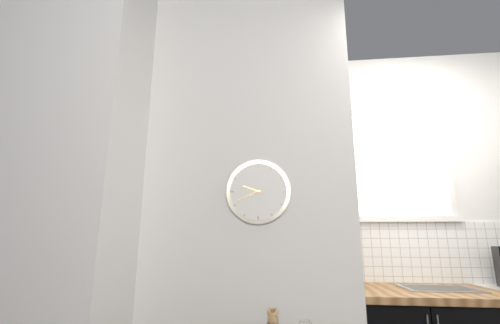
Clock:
9.41
